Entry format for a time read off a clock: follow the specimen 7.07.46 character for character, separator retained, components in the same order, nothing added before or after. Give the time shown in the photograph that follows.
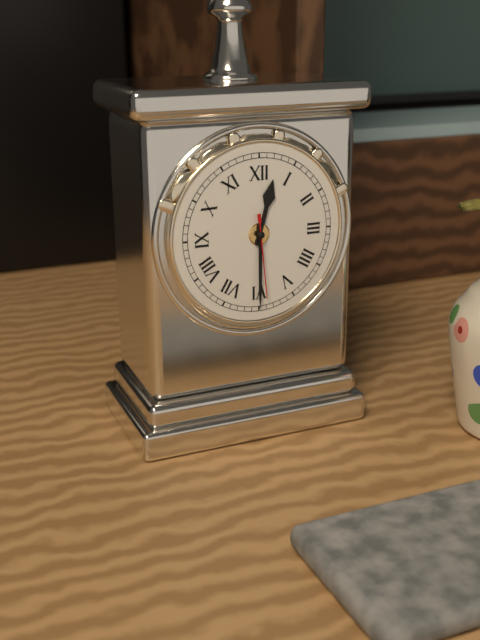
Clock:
12.30.29
